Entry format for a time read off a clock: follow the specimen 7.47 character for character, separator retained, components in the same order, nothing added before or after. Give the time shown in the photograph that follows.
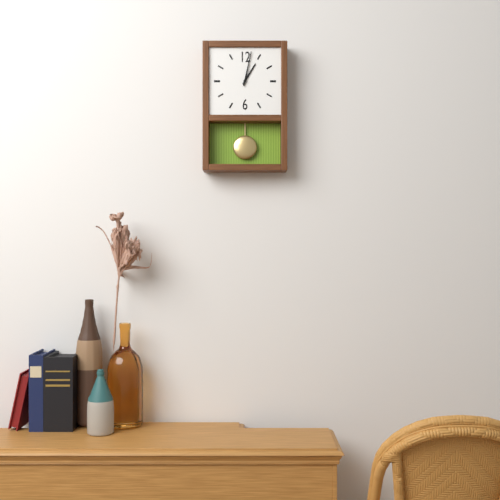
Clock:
1.02
